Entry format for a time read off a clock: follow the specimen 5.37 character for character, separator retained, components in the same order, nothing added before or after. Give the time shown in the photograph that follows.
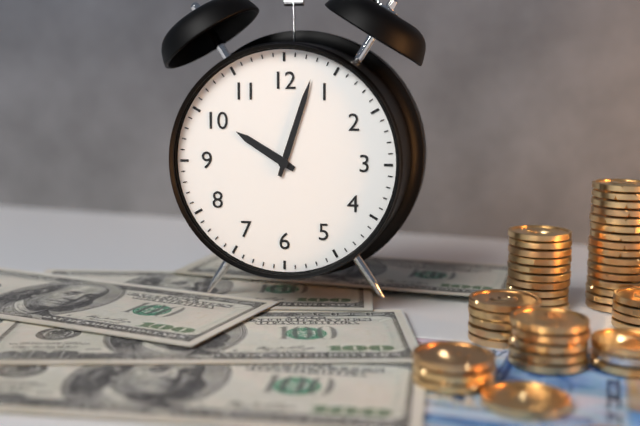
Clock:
10.03
